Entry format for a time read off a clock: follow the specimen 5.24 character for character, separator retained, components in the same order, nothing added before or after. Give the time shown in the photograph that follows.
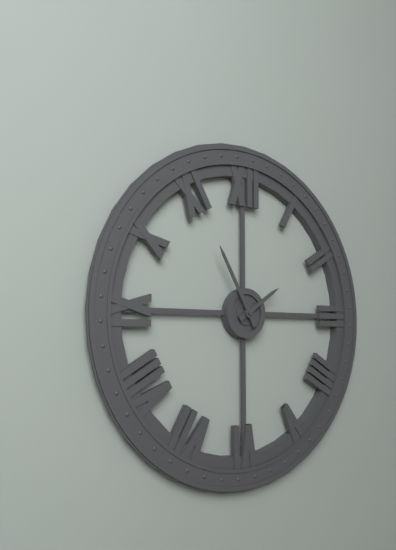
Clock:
1.55
